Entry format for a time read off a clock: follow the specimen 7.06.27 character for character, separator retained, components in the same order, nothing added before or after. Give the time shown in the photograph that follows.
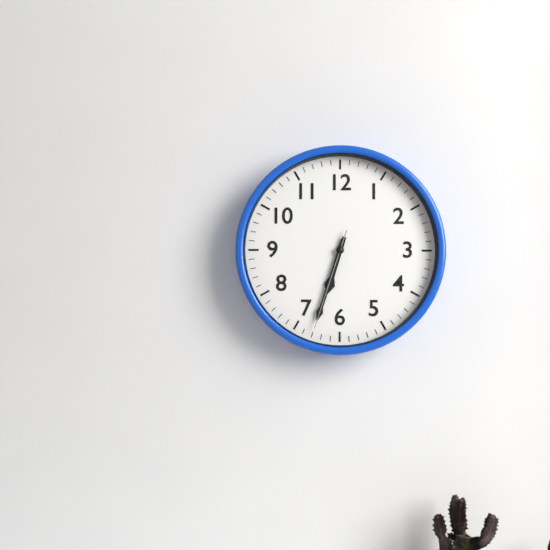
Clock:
6.33.33
